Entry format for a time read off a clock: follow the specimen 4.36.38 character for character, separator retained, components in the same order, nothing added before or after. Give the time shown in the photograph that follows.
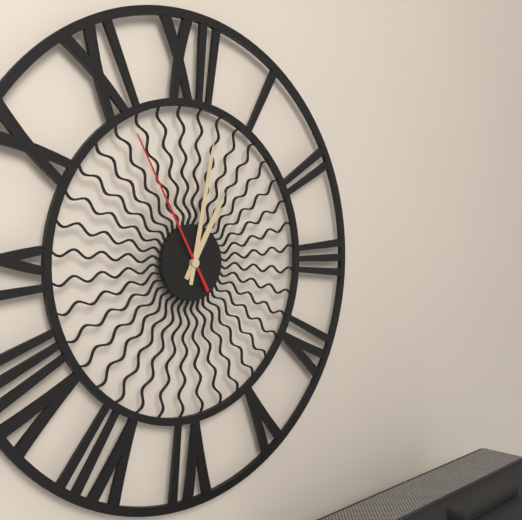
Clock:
1.02.55
